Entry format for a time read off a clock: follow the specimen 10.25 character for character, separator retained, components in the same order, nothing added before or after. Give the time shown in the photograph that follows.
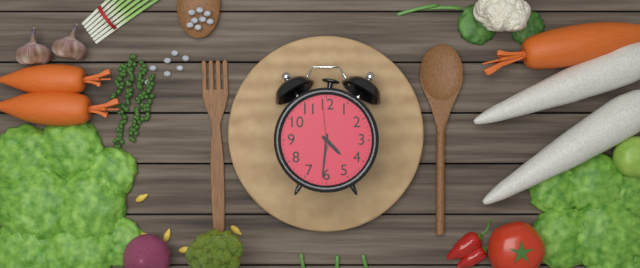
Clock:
4.31
